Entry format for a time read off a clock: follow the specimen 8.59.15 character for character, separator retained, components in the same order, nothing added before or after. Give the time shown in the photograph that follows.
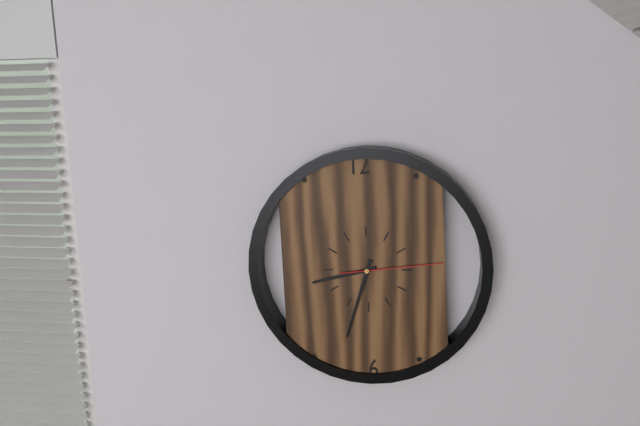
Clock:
8.33.14
